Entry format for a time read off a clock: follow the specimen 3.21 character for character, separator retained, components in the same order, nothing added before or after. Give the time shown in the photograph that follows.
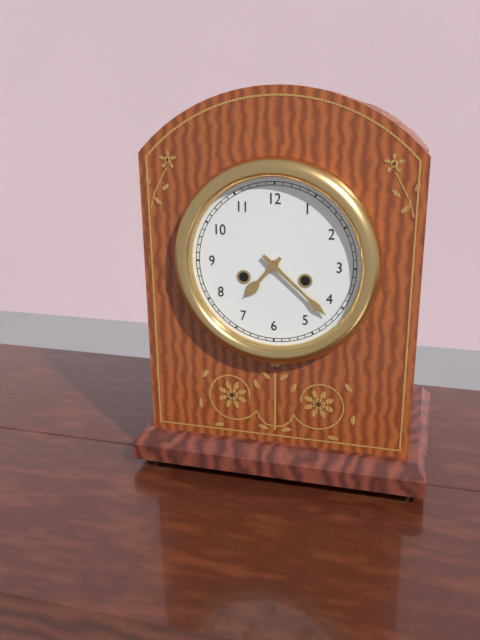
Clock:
7.22
